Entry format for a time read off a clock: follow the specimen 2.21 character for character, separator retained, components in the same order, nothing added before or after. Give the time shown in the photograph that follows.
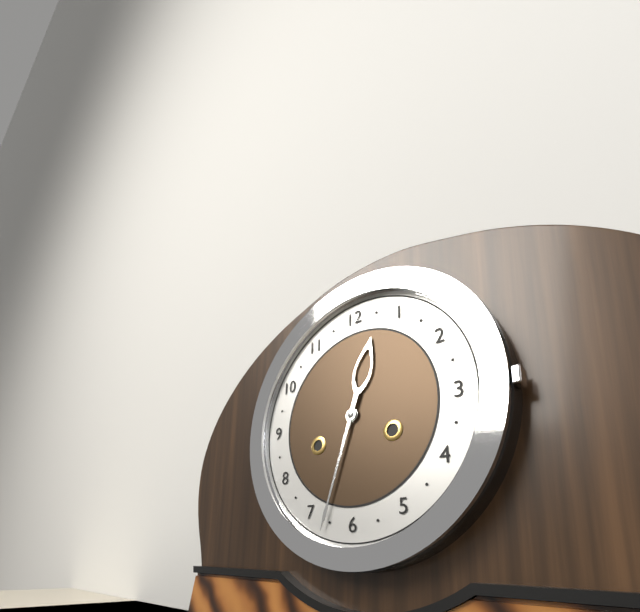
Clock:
12.33
